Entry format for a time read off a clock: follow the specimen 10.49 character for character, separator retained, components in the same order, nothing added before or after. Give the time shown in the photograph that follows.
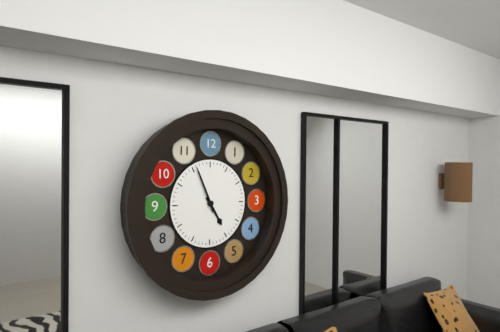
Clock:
4.56
